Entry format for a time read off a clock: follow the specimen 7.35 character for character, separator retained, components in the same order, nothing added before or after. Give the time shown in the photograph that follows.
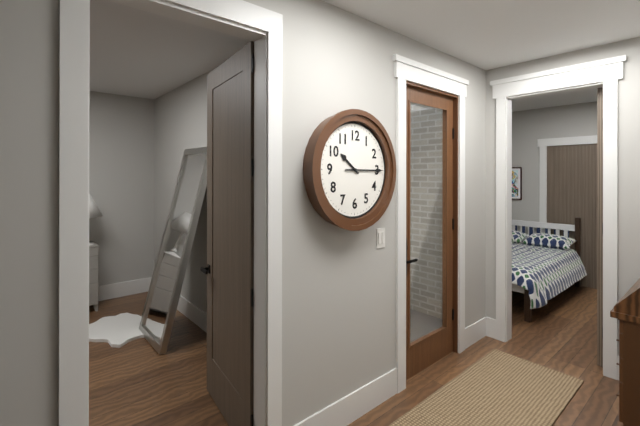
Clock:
10.15
